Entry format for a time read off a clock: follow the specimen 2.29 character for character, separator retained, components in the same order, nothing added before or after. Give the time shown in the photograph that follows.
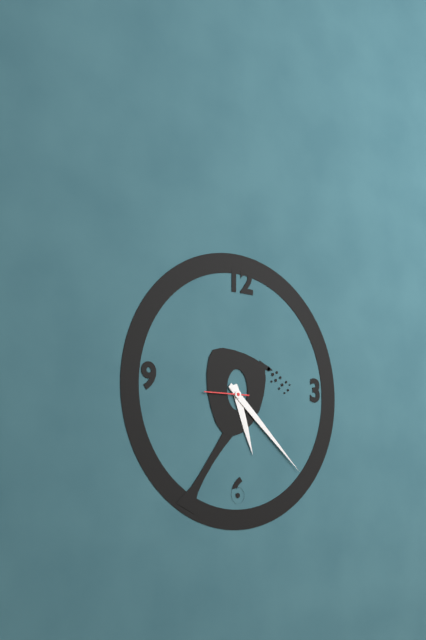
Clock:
5.22
